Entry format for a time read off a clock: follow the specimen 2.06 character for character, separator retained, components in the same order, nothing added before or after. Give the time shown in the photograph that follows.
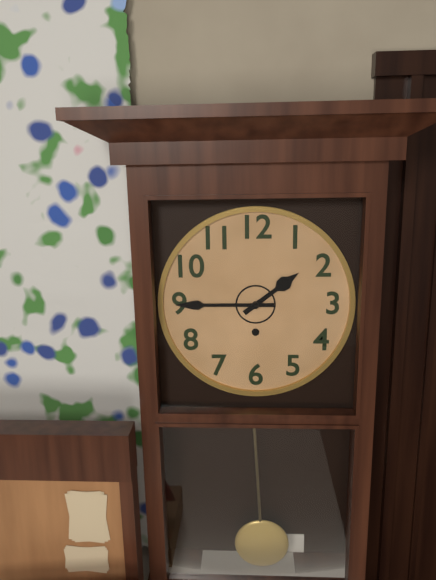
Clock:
1.45
